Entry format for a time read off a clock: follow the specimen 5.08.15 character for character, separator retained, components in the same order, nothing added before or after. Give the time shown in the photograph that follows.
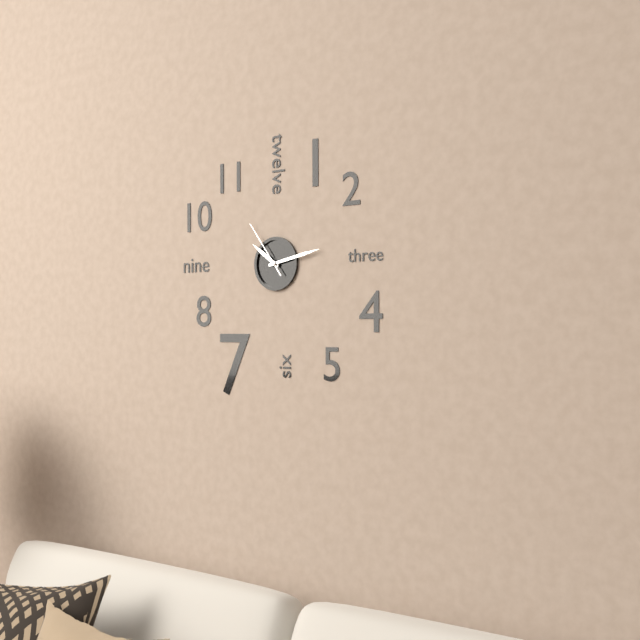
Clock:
10.13.54
